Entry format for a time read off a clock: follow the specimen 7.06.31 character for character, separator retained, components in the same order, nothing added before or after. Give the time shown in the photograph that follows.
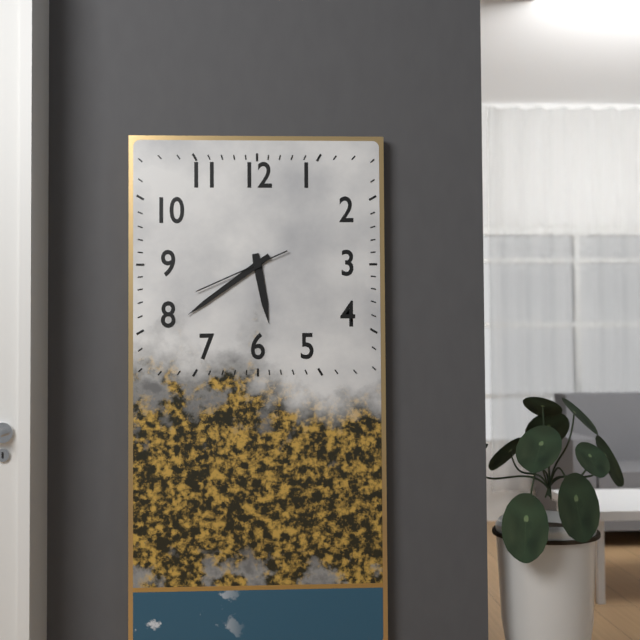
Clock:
5.39.41
